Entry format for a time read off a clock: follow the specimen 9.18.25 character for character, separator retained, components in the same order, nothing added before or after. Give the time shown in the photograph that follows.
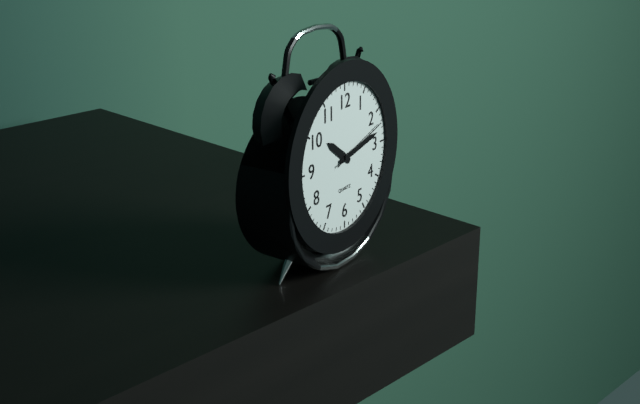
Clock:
10.13.12
